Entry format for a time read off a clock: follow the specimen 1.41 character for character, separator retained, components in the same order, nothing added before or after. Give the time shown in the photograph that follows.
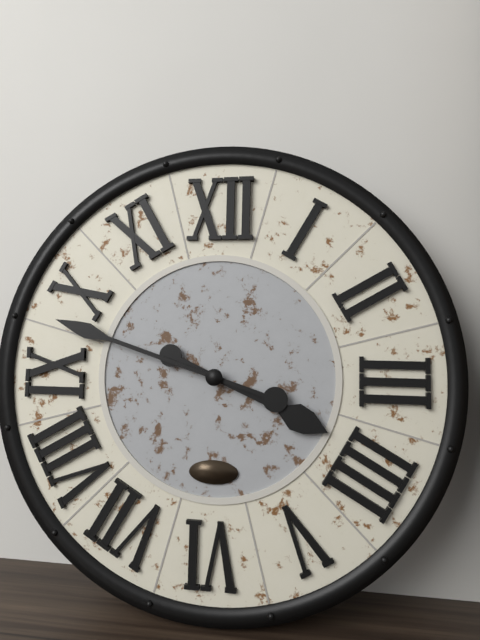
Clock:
3.48
